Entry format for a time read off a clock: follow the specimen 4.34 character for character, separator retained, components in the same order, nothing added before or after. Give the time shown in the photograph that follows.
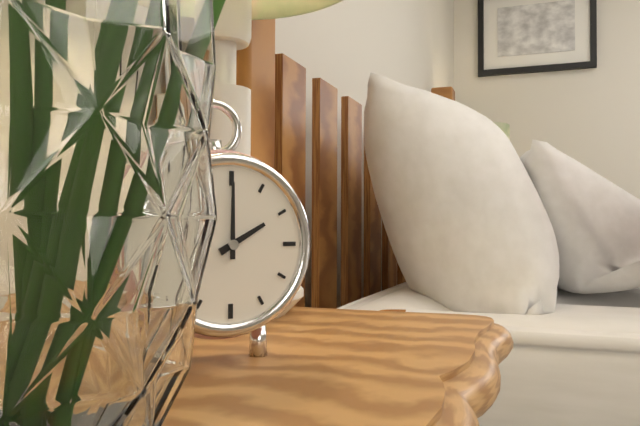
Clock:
2.00
